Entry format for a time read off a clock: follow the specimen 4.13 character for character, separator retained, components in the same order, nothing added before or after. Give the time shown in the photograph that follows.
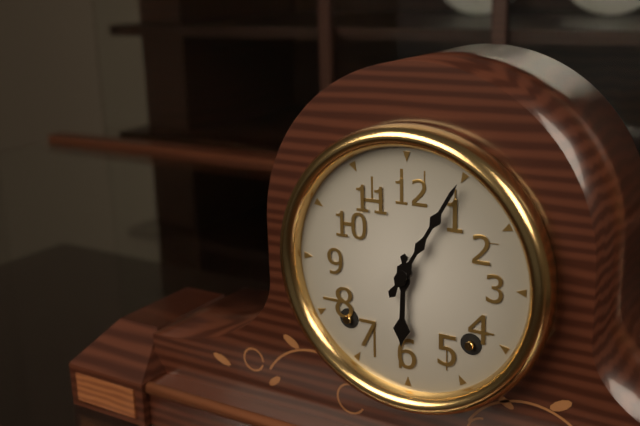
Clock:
6.05
